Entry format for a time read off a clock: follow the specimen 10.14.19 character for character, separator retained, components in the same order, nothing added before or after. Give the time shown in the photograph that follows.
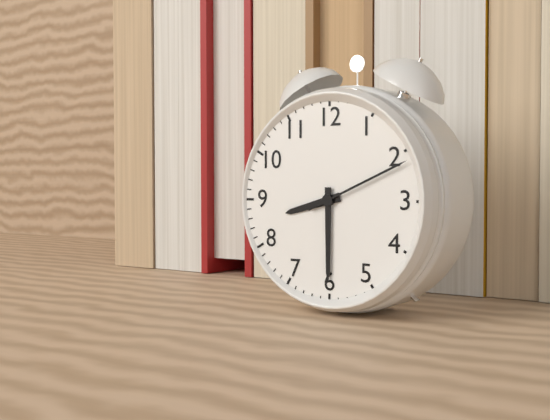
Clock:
8.30.11
